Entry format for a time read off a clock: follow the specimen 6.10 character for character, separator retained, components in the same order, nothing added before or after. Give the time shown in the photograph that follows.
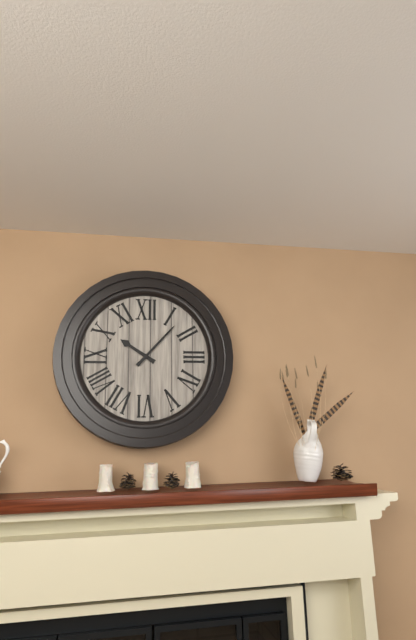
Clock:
10.07
